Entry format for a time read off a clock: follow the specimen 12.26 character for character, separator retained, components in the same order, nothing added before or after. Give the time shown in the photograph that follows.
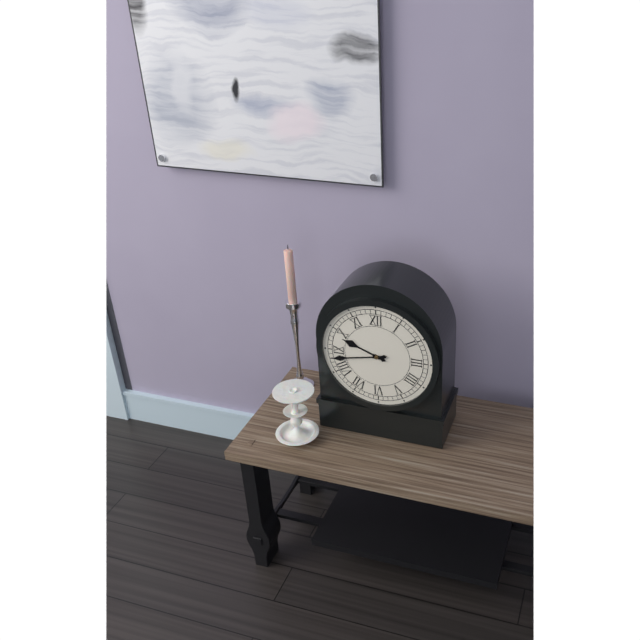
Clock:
9.43
